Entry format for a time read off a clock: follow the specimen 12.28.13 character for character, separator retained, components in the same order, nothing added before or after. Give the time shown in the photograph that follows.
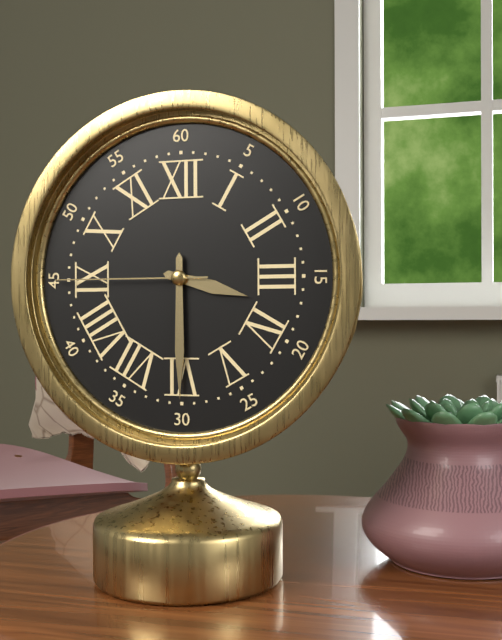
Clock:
3.30.45
